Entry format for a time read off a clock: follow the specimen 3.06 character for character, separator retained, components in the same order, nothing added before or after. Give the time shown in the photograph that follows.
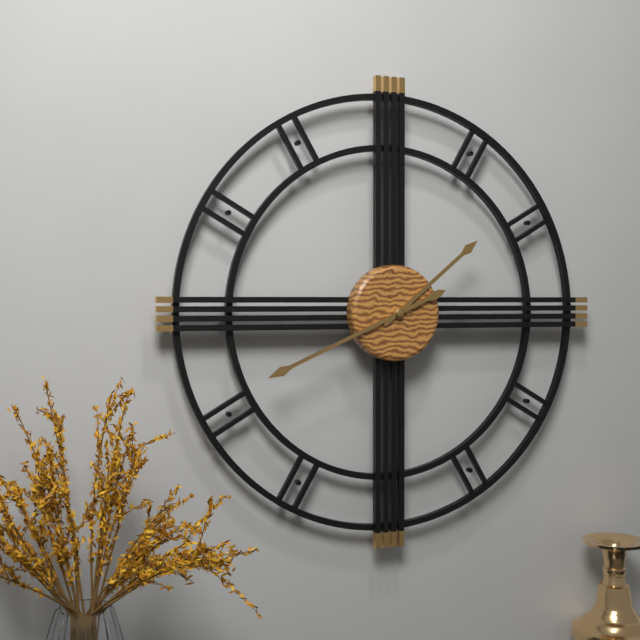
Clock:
1.41
